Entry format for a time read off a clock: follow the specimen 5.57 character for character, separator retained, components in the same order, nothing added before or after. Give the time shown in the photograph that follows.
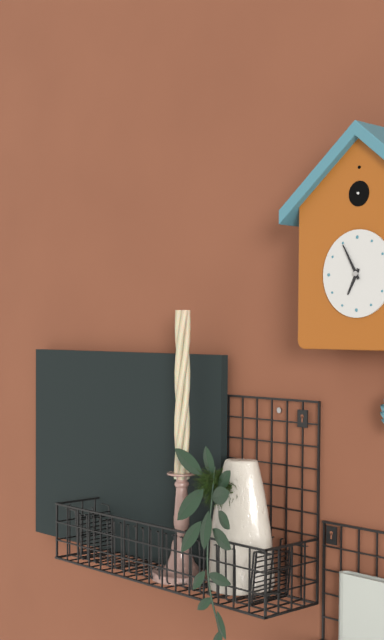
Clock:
6.55
